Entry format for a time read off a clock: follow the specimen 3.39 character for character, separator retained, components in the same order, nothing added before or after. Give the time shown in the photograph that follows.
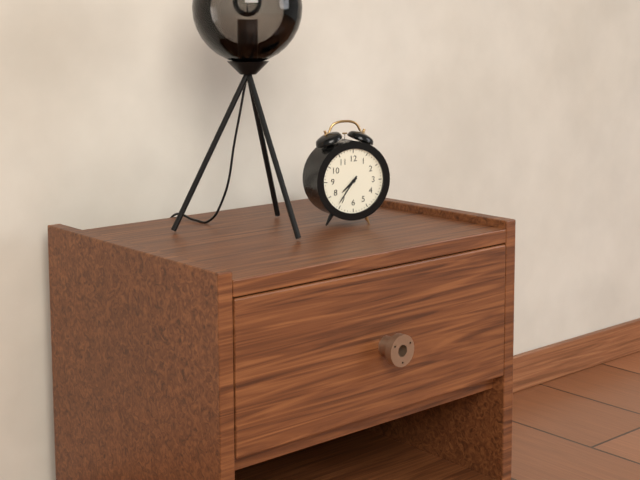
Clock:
7.36
